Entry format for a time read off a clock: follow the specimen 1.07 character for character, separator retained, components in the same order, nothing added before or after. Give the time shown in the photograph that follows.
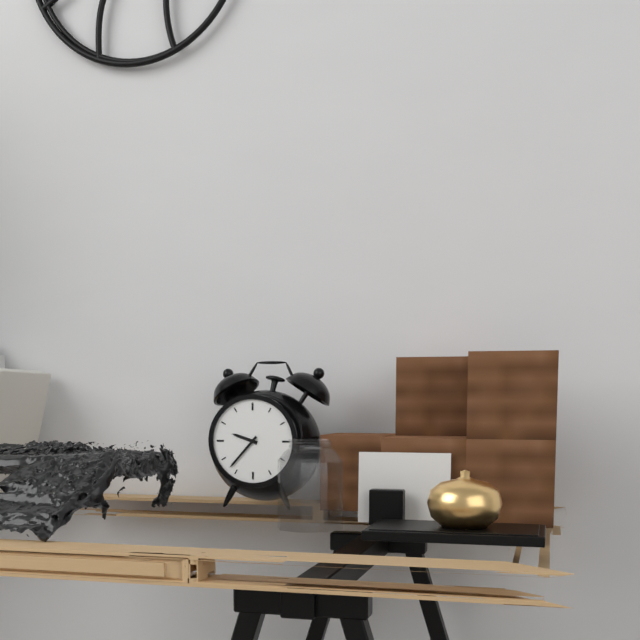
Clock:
9.37
